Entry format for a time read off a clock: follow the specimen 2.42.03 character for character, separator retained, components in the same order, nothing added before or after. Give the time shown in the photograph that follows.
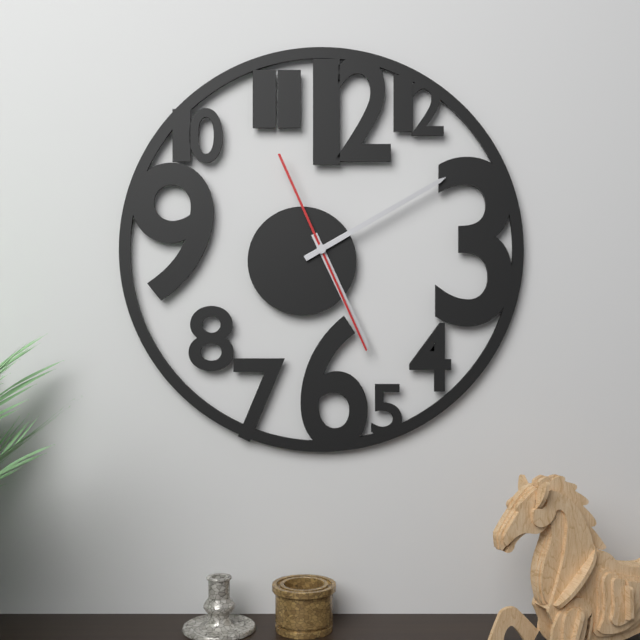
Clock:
5.10.26
